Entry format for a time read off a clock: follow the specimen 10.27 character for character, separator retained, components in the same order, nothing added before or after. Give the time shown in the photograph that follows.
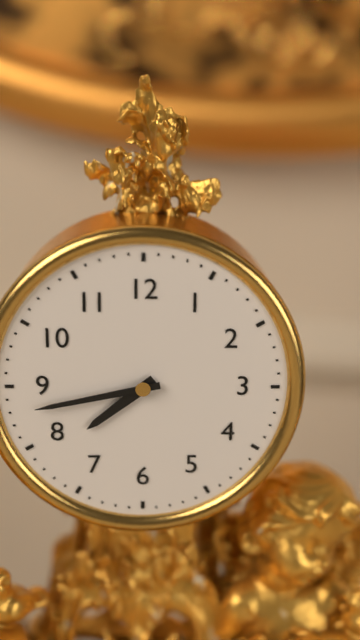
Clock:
7.43
